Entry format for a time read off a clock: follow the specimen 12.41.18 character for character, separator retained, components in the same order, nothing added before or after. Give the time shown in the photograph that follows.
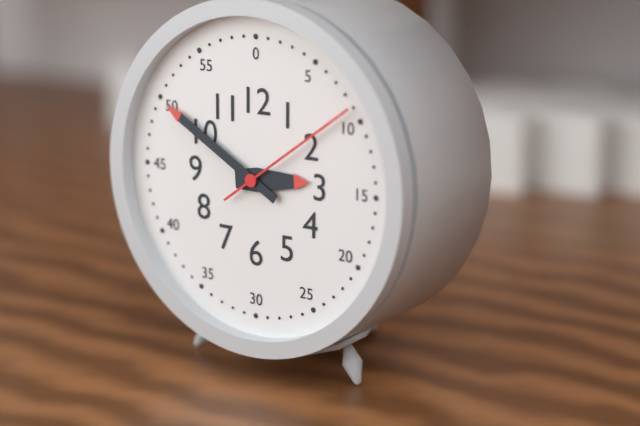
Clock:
2.50.09
